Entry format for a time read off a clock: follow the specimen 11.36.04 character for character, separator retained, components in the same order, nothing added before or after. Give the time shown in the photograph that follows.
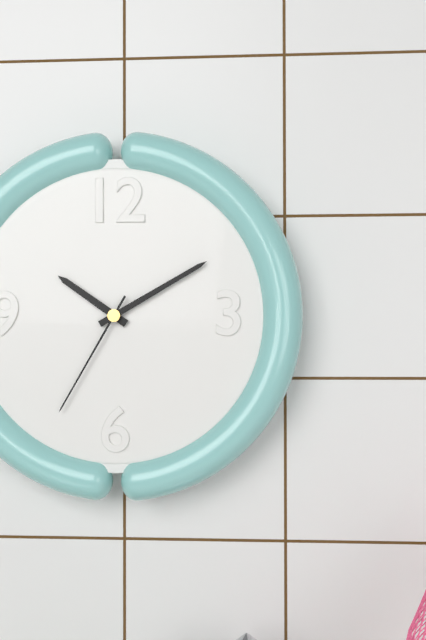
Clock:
10.10.35
